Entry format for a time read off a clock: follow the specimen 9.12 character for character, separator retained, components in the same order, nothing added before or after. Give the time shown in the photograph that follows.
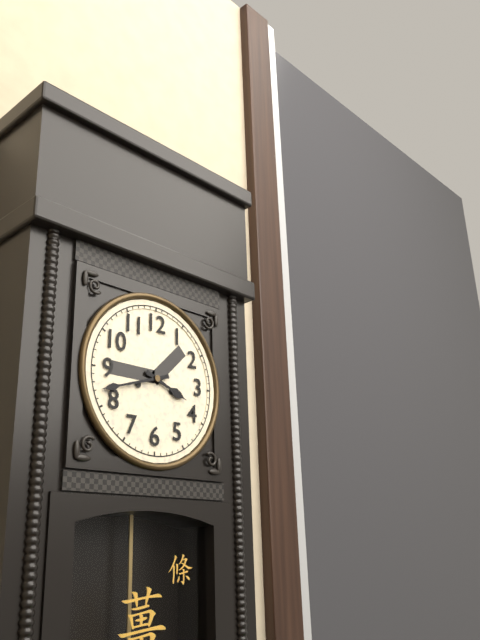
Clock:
3.42
